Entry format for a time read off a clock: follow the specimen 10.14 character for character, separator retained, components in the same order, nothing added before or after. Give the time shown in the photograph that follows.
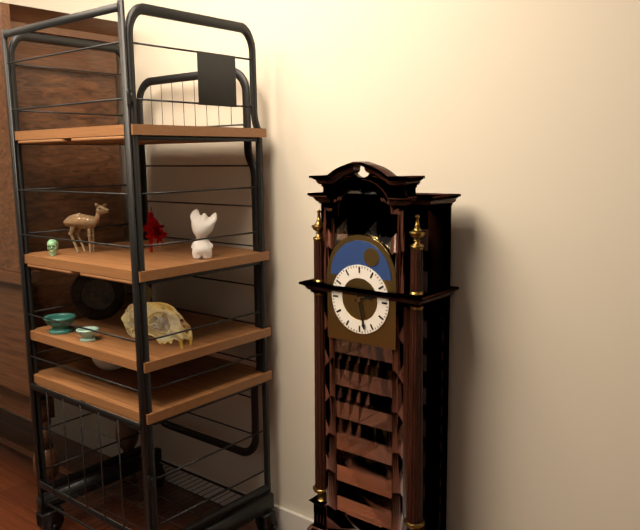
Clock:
2.28
